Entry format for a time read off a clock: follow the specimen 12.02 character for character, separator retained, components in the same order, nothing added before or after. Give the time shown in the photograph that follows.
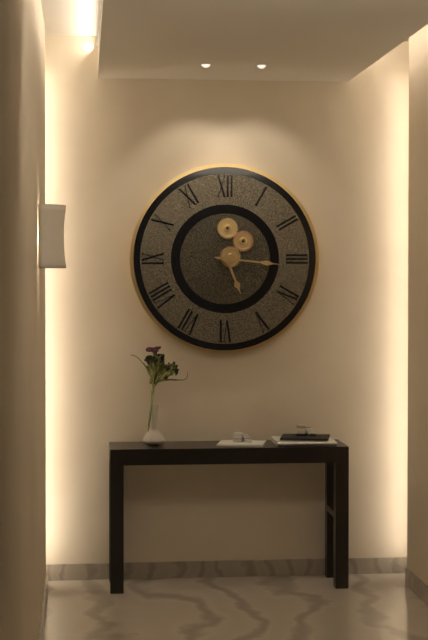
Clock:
5.16
